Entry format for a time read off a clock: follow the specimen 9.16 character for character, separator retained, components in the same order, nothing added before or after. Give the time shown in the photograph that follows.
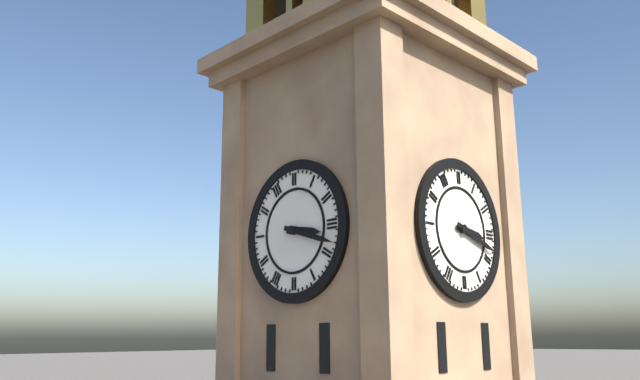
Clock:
3.18
